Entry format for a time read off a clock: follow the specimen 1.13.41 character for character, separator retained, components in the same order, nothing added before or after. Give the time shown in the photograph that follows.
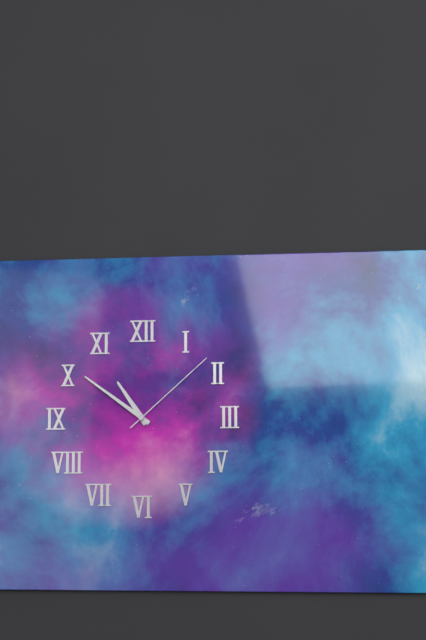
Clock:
10.51.08
